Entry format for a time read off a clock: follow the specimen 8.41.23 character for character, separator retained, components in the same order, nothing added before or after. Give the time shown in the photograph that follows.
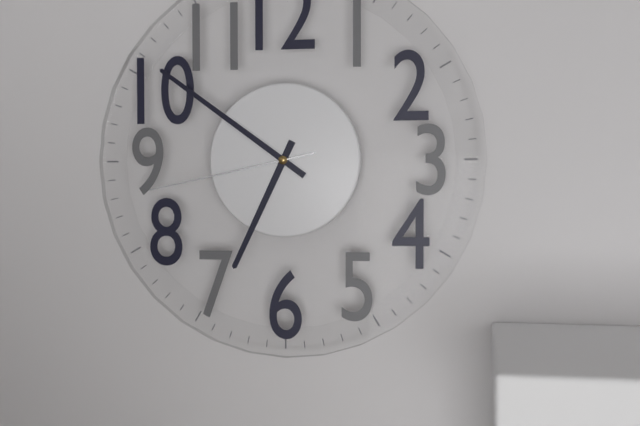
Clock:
6.51.43
